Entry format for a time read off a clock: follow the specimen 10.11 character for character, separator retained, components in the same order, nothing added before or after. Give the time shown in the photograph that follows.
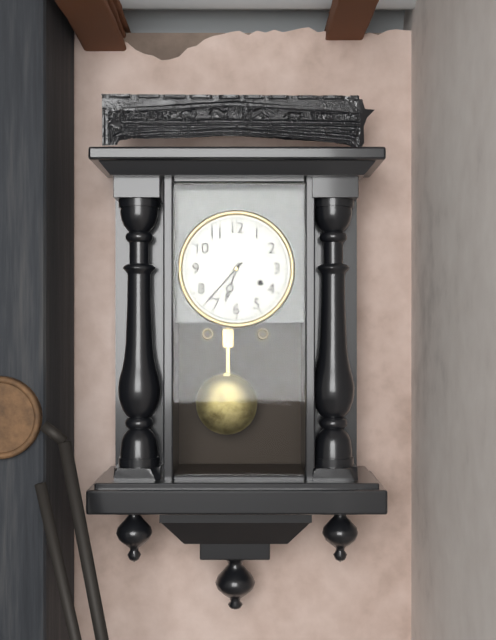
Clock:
6.37
